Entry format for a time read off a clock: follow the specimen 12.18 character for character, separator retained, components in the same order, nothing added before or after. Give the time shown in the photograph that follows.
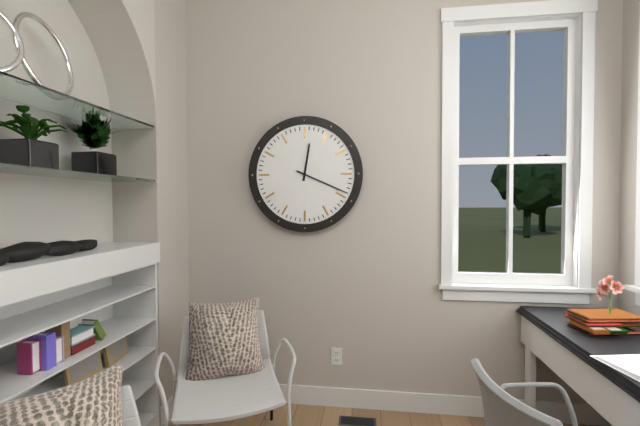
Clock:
12.19
